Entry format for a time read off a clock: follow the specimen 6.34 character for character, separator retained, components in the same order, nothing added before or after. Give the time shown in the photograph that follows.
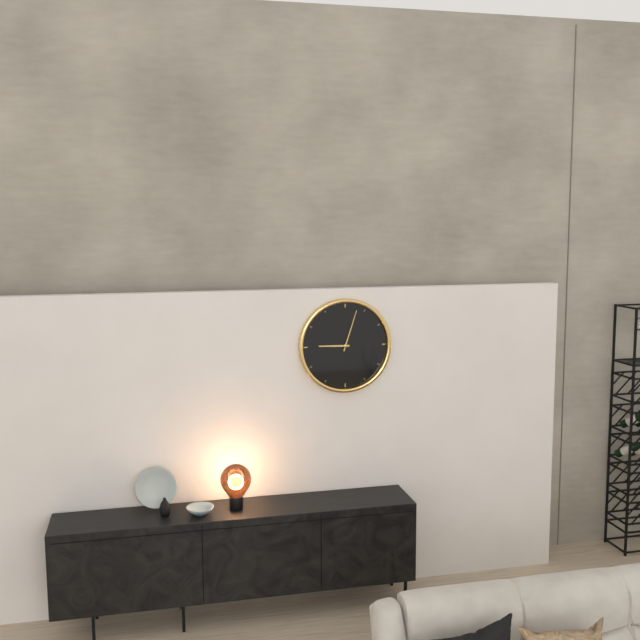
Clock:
9.03
